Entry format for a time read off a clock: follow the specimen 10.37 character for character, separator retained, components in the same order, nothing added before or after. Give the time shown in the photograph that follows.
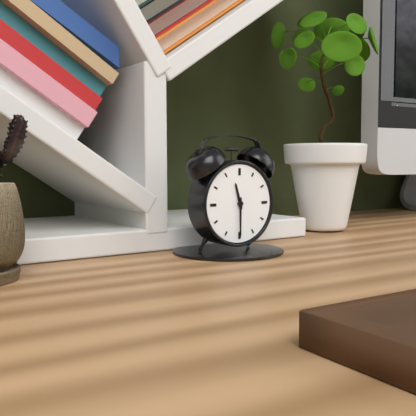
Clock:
11.30
